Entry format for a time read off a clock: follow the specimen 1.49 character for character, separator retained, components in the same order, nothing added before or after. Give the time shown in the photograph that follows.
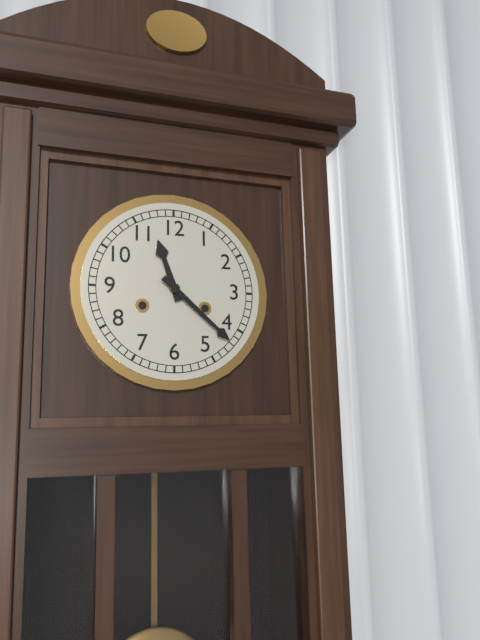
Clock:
11.22
